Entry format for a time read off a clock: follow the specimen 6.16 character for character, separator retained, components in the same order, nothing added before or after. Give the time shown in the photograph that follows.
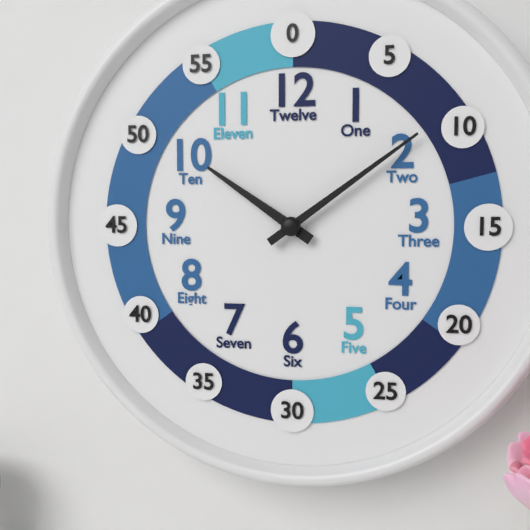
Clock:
10.09
